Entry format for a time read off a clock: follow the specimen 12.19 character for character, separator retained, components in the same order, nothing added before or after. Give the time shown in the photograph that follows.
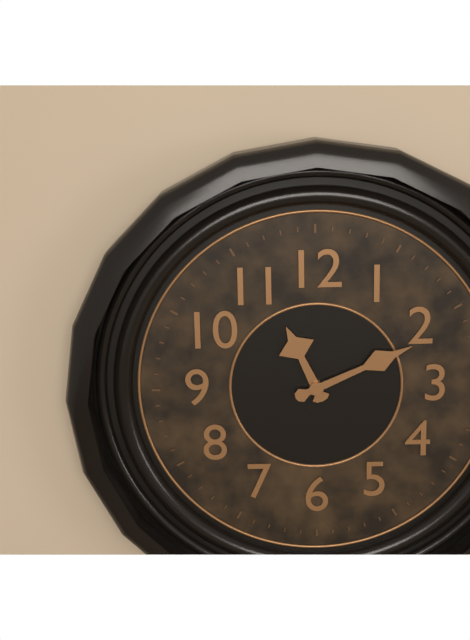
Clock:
11.11
